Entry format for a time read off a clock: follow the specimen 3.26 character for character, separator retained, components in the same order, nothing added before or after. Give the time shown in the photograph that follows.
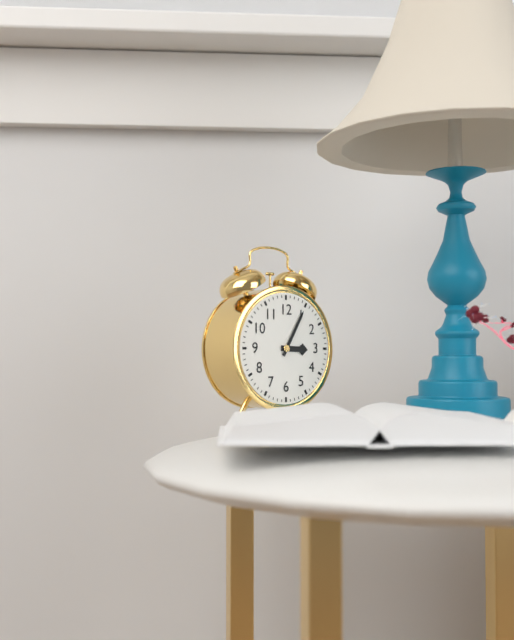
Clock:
3.05
